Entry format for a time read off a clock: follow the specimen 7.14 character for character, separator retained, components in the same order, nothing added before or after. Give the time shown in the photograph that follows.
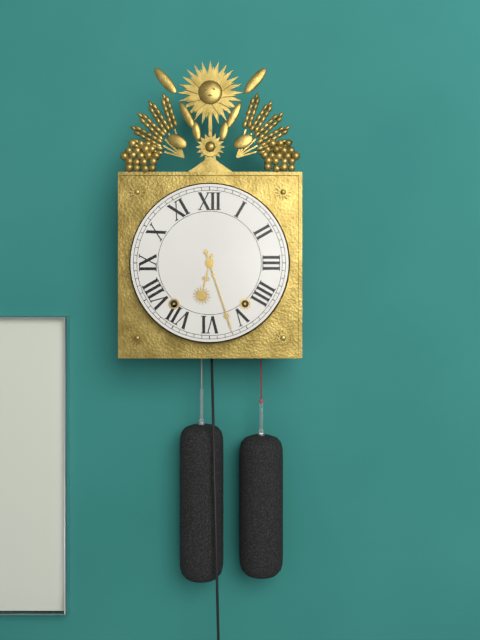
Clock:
6.27
